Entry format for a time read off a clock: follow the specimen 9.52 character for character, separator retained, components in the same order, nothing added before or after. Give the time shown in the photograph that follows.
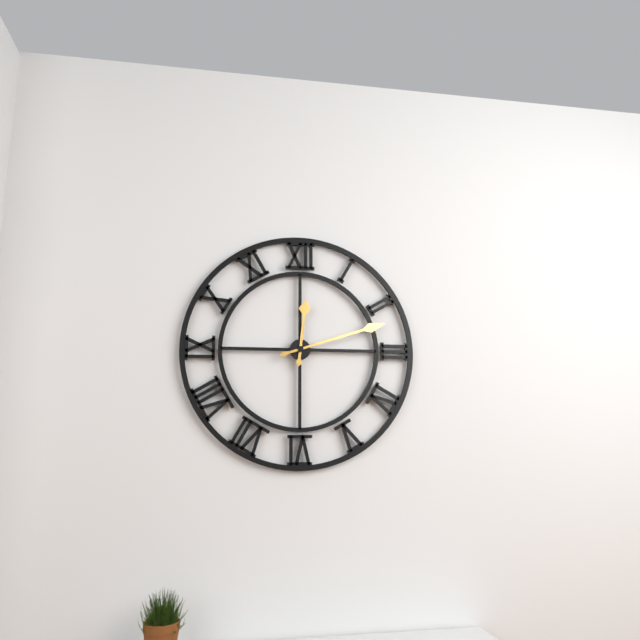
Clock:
12.12
